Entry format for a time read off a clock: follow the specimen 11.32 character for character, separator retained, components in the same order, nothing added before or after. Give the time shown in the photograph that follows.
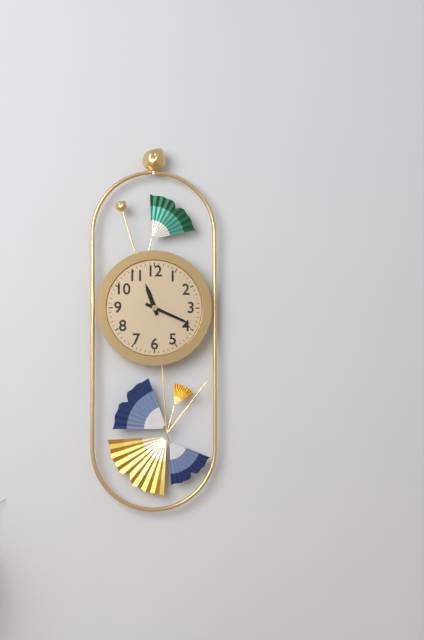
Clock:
11.19
